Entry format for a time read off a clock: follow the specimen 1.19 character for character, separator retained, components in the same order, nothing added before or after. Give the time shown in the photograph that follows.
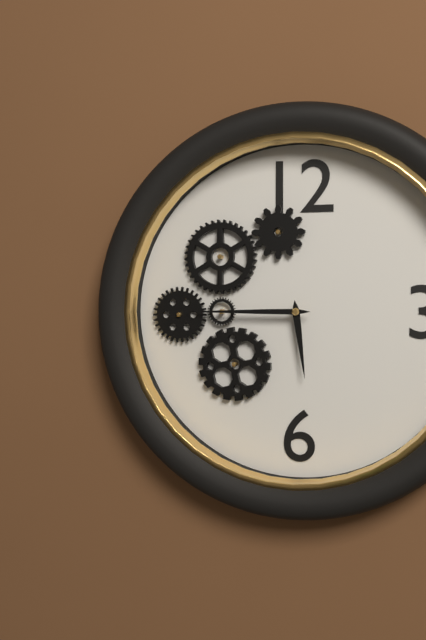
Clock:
5.45
